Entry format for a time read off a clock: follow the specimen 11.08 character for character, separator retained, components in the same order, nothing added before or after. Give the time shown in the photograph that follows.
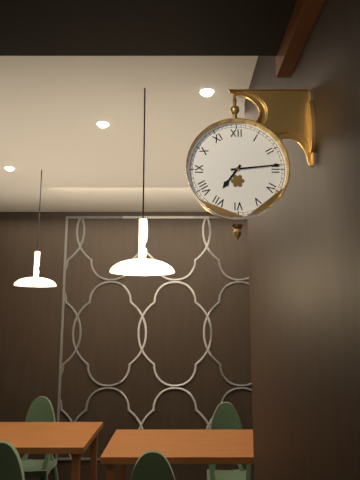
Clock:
7.14
